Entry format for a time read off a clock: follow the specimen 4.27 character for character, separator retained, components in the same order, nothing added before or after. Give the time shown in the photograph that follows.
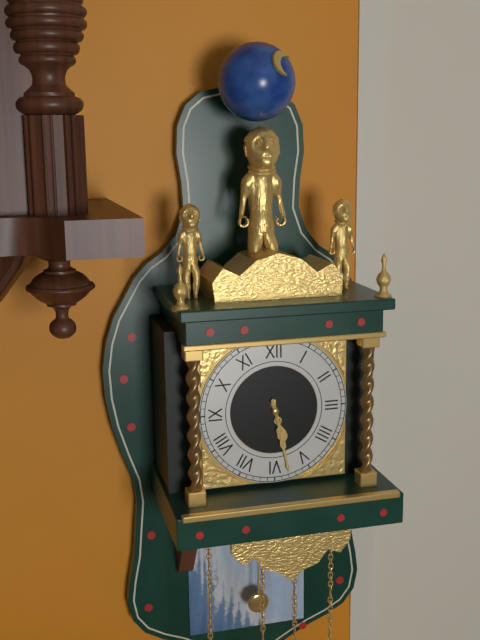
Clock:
5.28
